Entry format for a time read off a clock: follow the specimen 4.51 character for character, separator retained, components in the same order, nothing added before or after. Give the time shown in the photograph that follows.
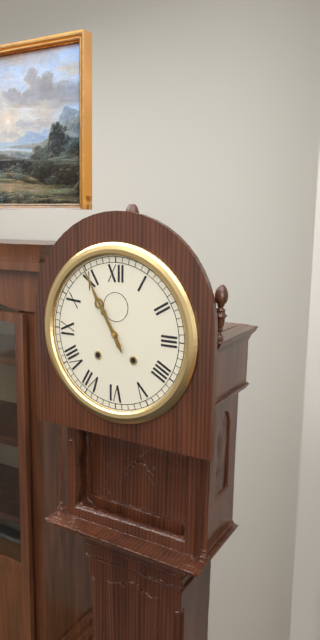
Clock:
10.55
